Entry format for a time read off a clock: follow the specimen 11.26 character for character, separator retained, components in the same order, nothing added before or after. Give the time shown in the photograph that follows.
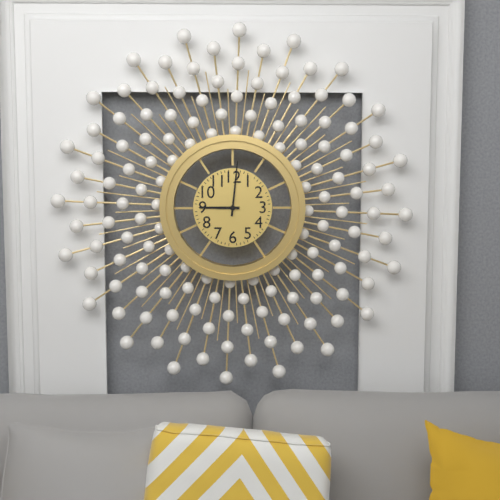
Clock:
9.01
